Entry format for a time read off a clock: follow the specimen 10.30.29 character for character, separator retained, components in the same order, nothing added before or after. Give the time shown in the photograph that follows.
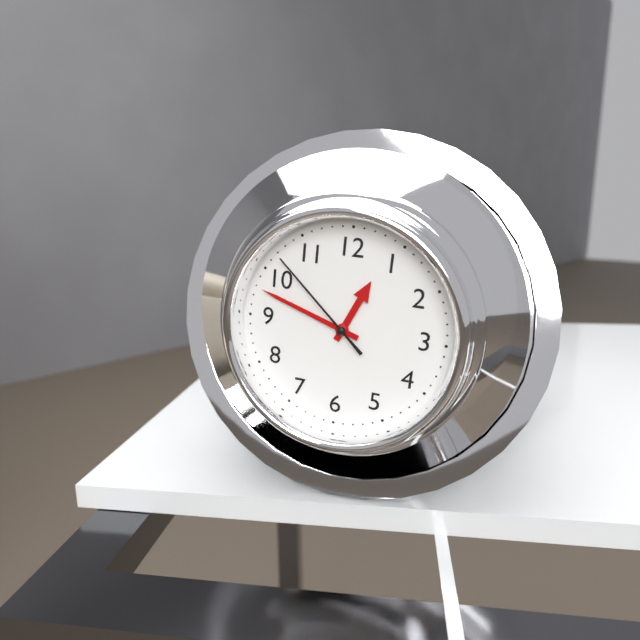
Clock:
12.48.52
